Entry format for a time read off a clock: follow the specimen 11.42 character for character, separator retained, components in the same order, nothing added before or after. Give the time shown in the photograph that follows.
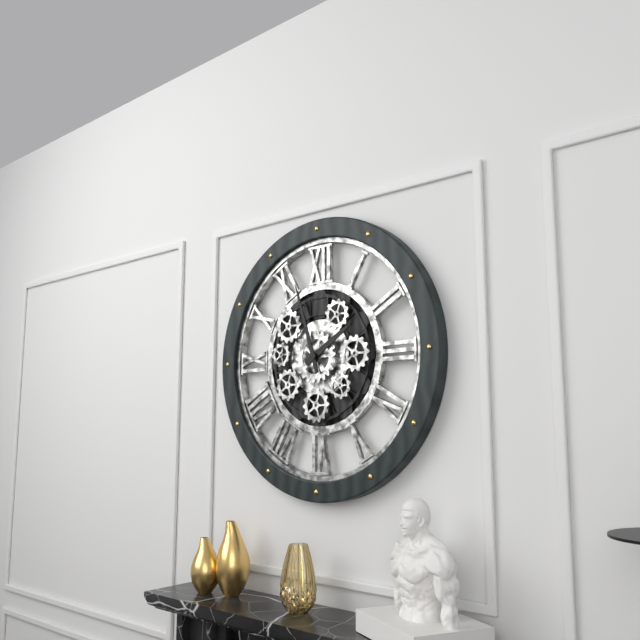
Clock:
1.57
